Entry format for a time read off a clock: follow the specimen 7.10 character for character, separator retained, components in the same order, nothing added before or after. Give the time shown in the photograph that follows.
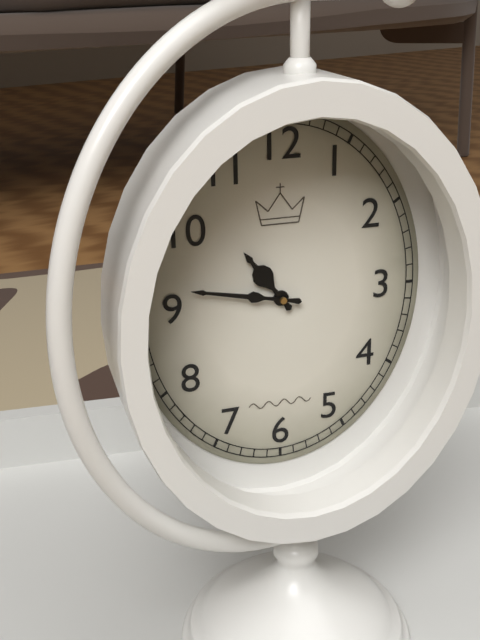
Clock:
10.47
